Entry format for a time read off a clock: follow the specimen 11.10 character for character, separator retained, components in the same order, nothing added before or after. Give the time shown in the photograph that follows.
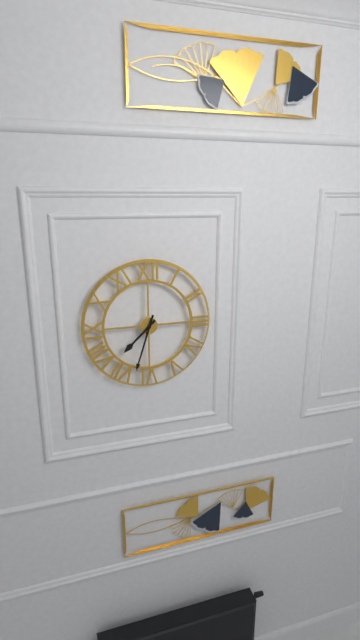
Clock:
7.33
